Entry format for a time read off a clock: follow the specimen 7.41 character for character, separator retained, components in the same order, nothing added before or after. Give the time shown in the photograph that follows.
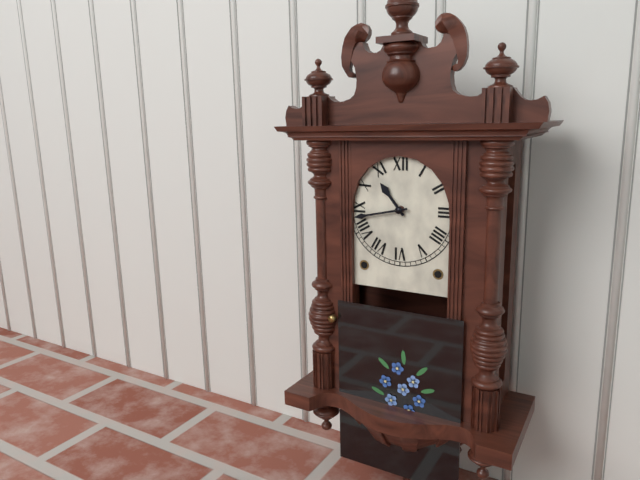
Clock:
10.43
